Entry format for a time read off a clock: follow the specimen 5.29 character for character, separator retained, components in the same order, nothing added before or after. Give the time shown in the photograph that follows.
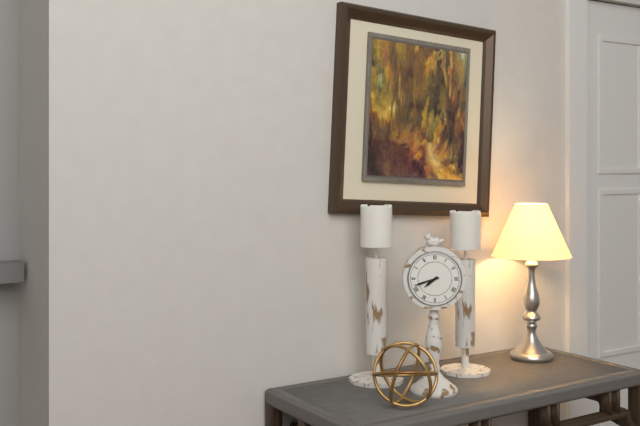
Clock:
7.42
